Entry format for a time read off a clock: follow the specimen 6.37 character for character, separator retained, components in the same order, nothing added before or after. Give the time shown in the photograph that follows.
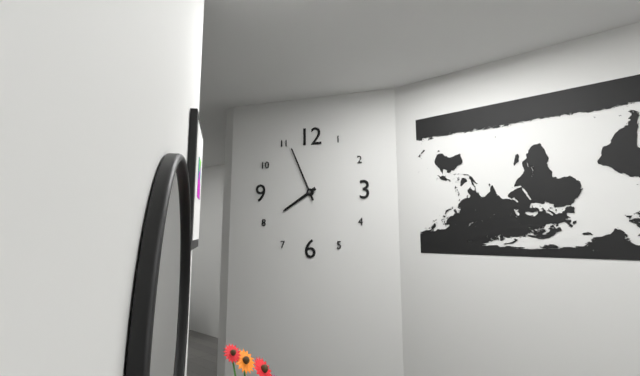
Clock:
7.56
